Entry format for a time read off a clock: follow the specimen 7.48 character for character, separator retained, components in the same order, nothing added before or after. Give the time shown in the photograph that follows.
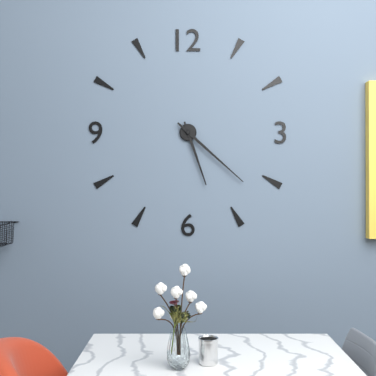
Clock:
5.22
